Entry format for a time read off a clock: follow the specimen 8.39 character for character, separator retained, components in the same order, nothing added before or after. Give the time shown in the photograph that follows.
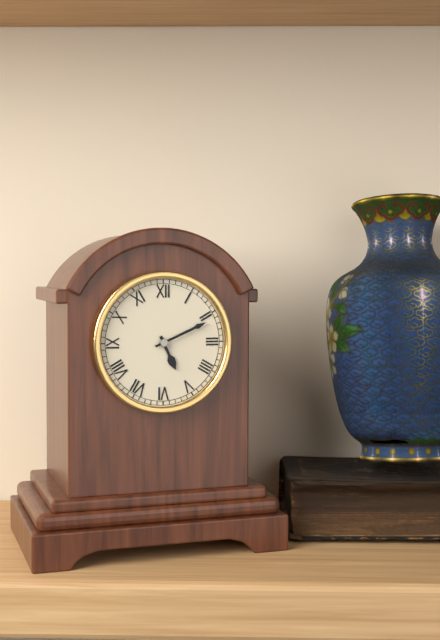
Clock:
5.11
